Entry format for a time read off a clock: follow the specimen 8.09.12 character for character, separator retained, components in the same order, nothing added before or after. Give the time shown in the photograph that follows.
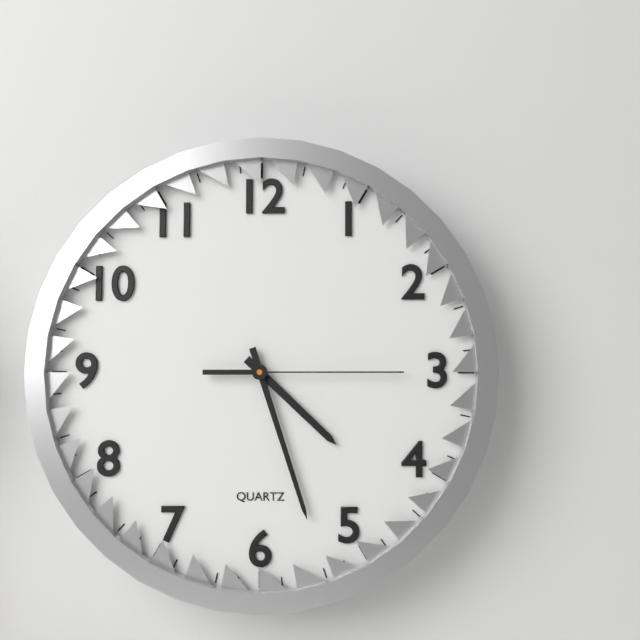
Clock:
4.27.15
